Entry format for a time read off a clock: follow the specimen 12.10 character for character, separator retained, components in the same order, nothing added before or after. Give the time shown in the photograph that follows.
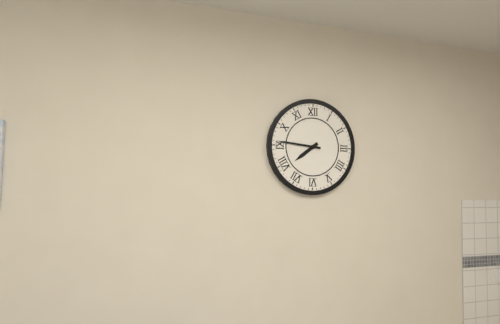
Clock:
7.46
